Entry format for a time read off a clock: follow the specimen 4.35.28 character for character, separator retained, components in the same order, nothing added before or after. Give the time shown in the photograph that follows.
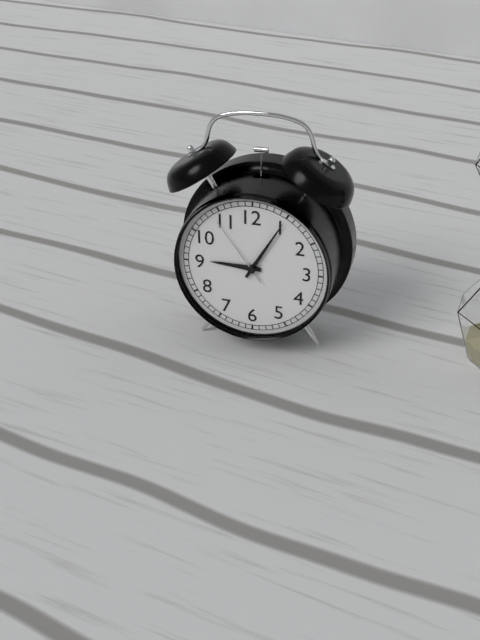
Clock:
9.05.54
